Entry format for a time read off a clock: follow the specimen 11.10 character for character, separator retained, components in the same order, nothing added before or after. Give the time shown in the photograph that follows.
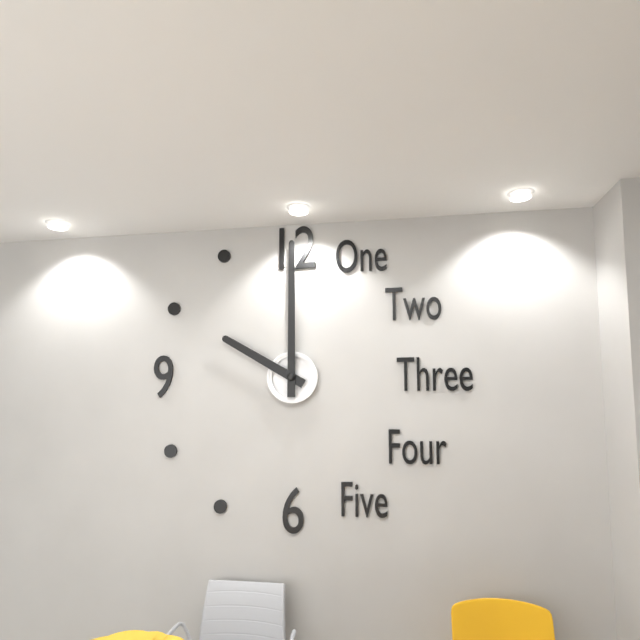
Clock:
10.00
